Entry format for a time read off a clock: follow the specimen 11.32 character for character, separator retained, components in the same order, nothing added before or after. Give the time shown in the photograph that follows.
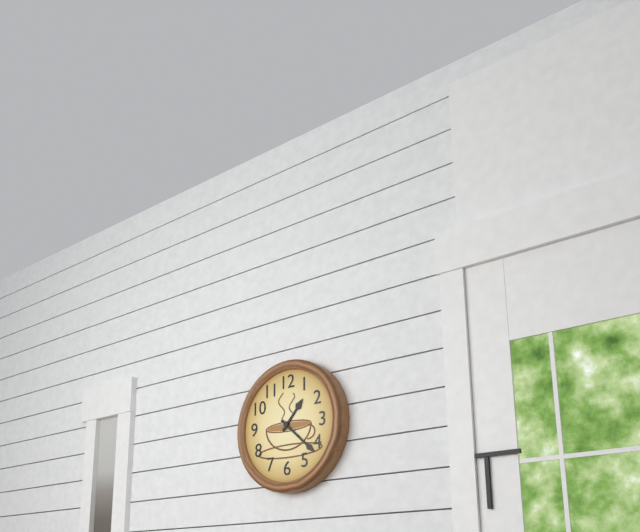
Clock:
1.22
